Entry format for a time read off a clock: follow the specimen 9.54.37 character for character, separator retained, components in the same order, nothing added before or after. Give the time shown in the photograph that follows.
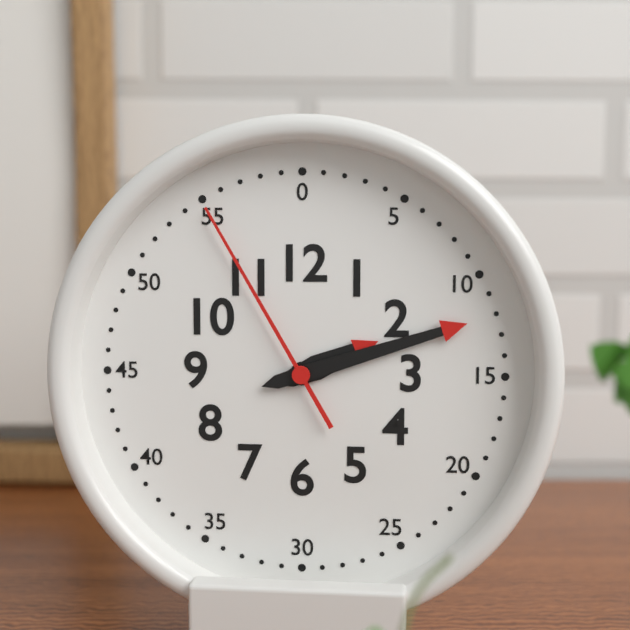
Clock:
2.12.55
